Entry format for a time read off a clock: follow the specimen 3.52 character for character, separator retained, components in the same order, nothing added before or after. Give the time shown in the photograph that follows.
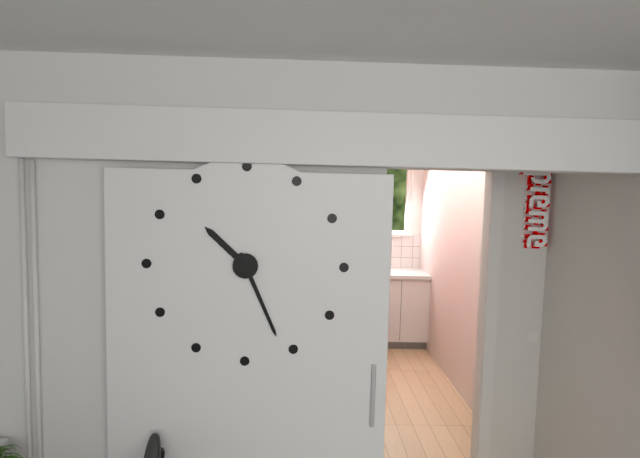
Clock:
10.26
